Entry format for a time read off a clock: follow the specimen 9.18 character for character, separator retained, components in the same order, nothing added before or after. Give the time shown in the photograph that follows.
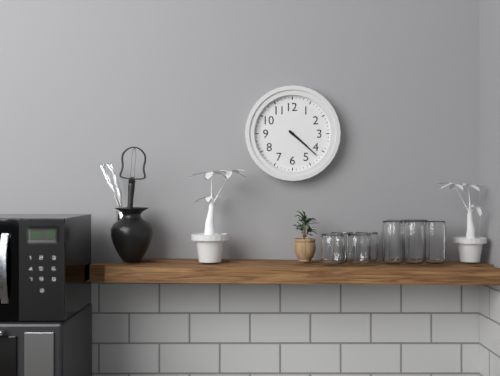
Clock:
4.22
